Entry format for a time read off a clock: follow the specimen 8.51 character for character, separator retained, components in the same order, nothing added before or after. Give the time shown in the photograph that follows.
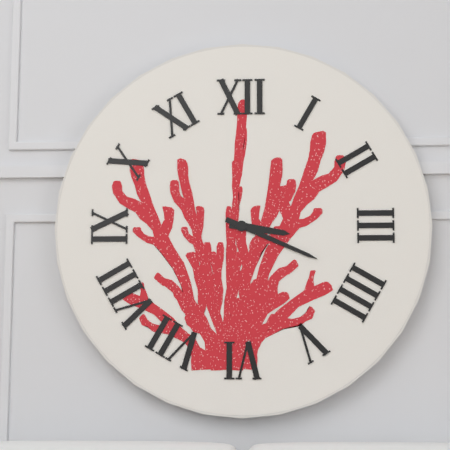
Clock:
3.19
